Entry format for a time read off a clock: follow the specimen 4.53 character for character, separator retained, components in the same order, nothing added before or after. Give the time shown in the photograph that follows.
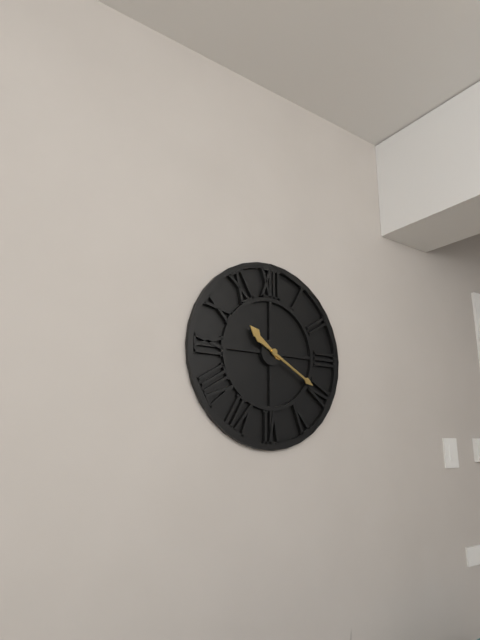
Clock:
10.20
